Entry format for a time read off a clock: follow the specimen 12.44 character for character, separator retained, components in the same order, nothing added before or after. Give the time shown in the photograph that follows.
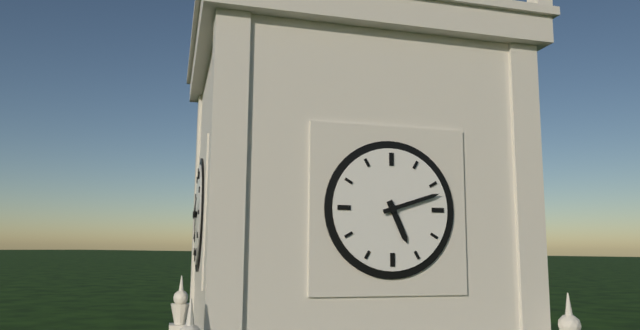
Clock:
5.12
